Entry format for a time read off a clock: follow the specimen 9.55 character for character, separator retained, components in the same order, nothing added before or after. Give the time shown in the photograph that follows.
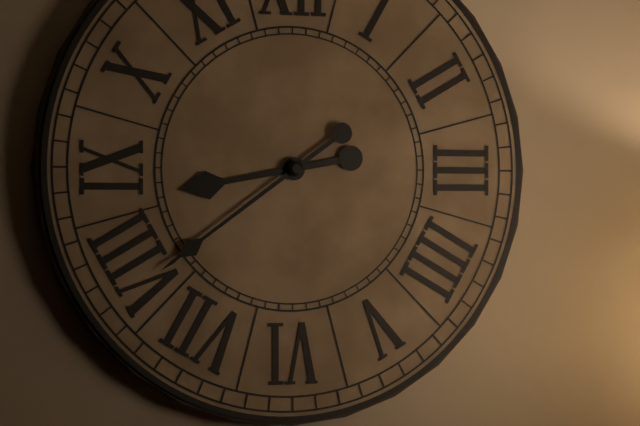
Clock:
8.39
